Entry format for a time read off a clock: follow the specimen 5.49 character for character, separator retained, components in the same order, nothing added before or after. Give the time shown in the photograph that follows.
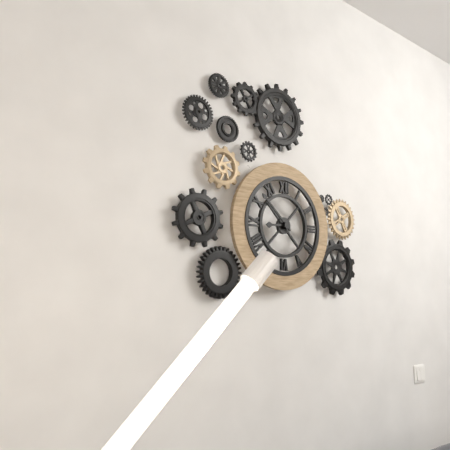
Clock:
8.52
